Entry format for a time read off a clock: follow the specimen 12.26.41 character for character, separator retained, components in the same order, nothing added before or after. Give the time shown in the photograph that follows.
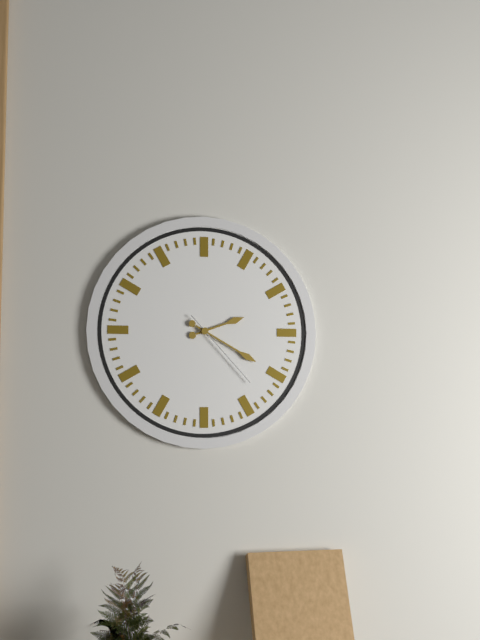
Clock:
2.20.23
